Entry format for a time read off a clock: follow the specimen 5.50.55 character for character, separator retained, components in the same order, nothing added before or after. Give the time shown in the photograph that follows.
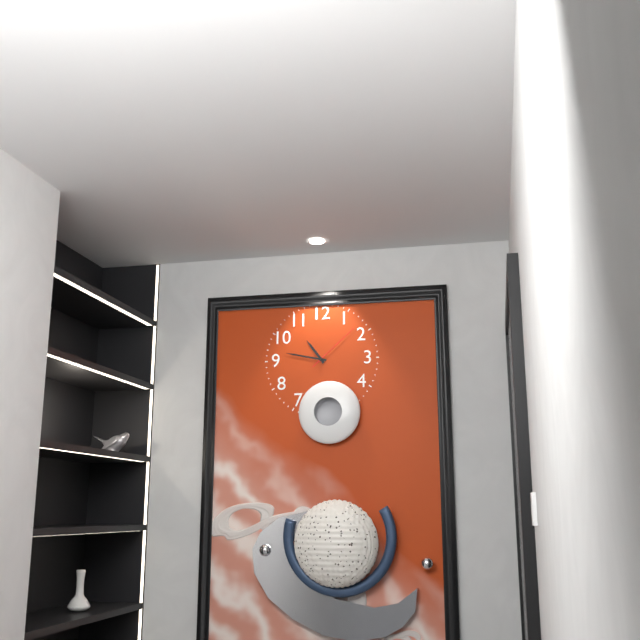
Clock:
10.47.08
